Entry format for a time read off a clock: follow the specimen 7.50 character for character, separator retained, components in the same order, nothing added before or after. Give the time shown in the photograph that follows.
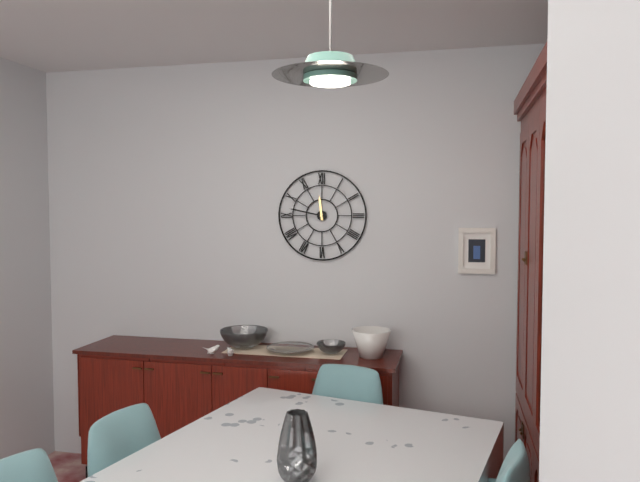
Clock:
11.47
